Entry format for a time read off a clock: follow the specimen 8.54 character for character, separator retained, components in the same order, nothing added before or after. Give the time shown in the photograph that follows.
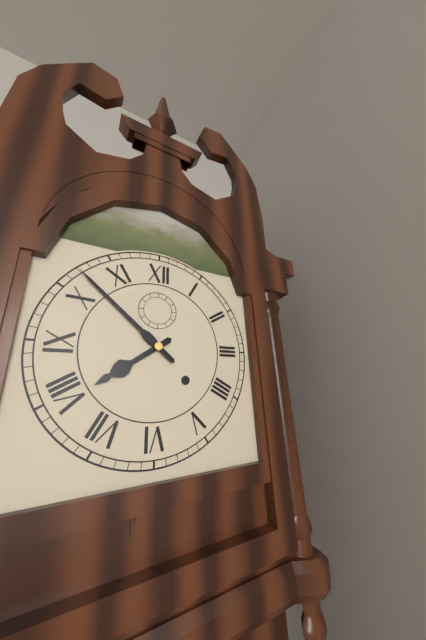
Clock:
7.52
